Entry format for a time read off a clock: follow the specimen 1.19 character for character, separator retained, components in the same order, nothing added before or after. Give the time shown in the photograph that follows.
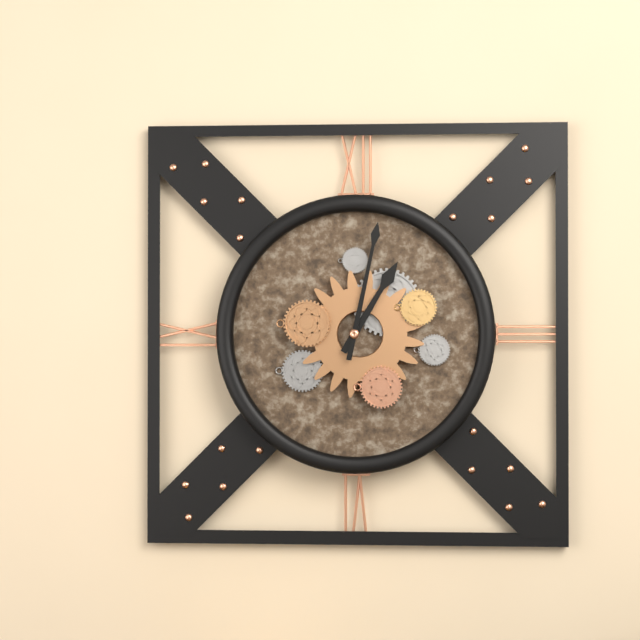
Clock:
1.02
